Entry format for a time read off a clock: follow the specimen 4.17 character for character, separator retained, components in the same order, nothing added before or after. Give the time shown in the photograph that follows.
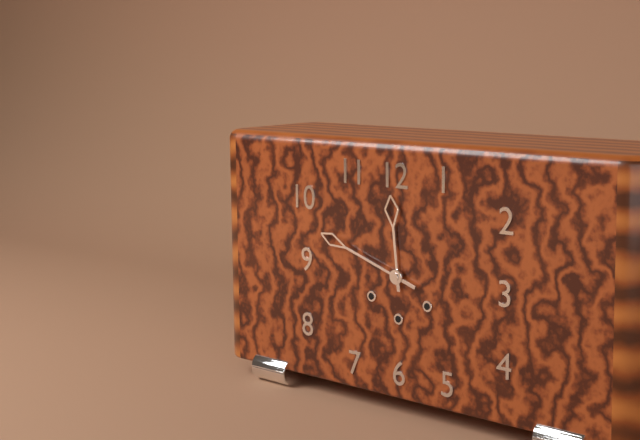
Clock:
11.48
